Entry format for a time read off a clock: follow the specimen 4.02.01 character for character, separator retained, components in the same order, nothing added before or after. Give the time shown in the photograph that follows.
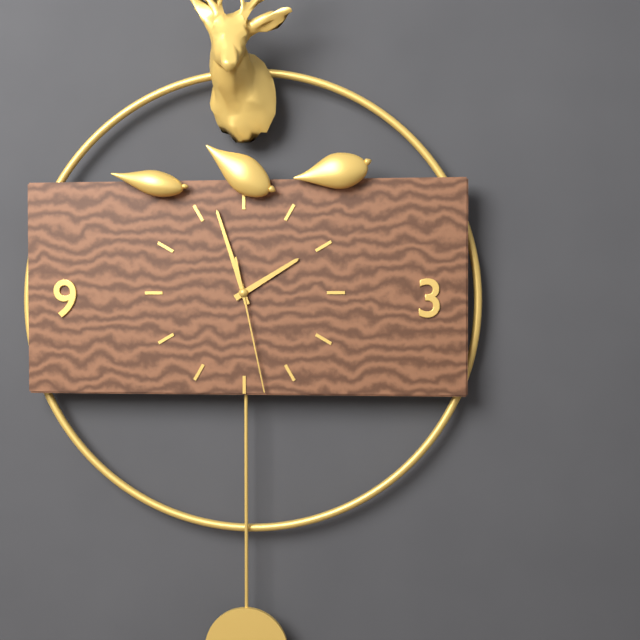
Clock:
1.57.28
